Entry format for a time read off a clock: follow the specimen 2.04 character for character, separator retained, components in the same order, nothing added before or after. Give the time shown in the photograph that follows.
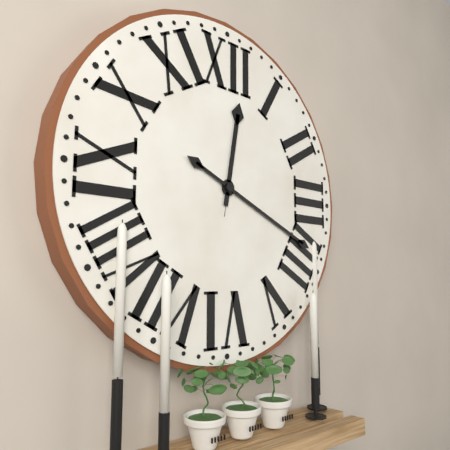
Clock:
12.19
